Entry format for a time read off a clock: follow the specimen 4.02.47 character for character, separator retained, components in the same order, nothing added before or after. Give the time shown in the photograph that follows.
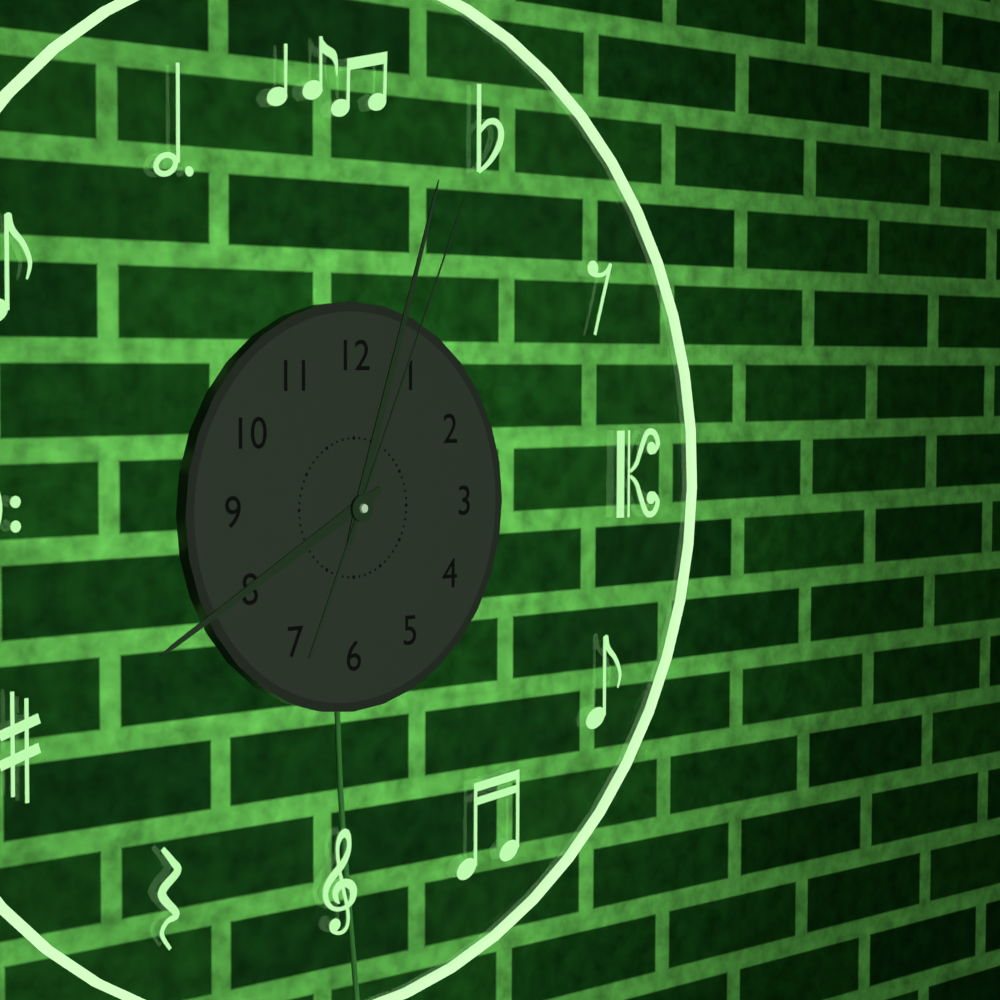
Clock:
8.03.04
